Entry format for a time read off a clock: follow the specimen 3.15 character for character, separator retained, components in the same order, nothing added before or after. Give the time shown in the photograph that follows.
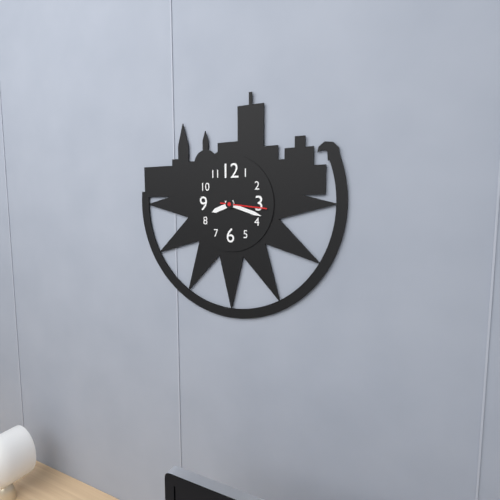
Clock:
8.18
